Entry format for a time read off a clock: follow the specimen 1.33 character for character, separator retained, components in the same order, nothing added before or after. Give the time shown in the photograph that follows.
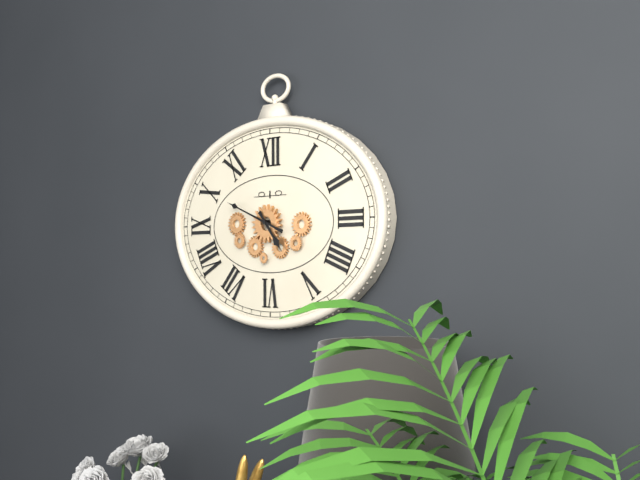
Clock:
4.49
